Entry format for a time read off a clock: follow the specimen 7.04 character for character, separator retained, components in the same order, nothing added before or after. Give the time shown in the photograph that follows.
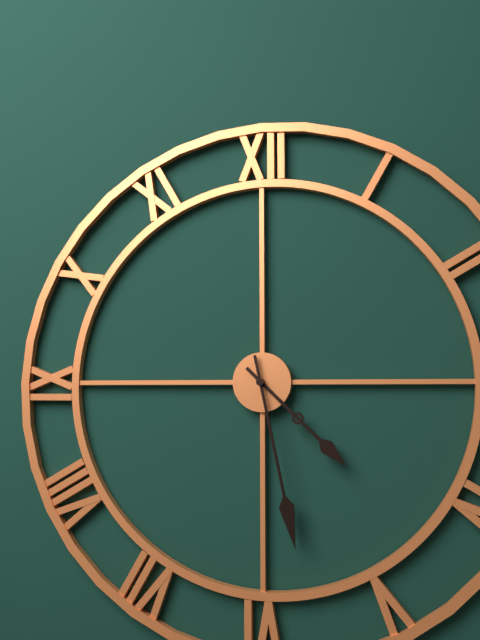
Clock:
4.28
